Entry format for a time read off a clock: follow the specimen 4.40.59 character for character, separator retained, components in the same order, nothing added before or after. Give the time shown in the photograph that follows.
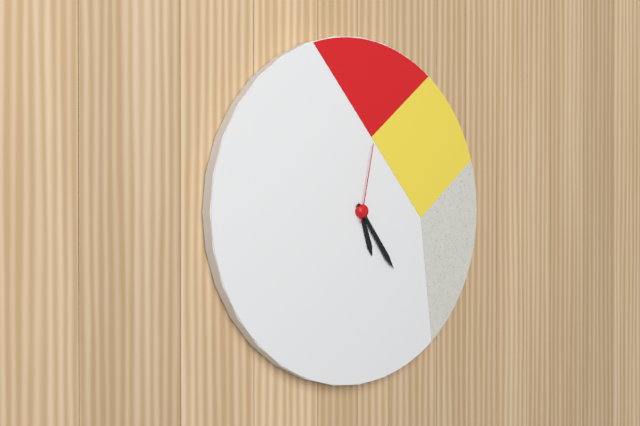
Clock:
5.24.02
